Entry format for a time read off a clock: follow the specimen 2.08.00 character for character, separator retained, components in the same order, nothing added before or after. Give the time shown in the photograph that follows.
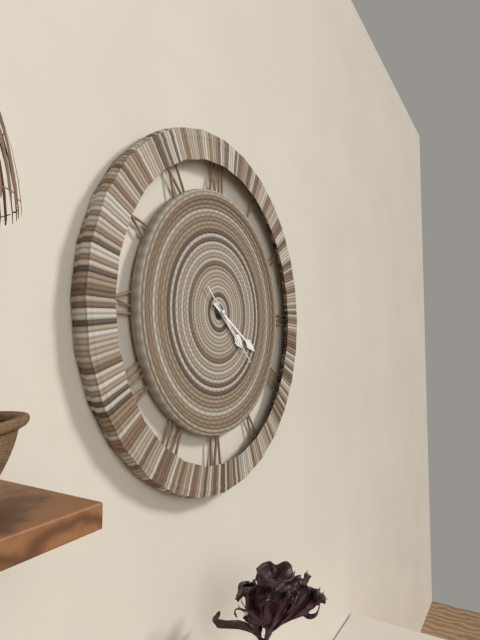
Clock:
4.20.22
